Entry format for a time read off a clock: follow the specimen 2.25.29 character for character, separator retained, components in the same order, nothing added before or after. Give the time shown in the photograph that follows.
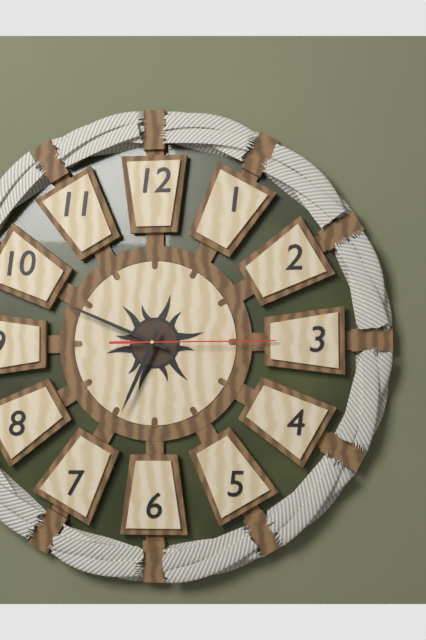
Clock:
6.49.15
